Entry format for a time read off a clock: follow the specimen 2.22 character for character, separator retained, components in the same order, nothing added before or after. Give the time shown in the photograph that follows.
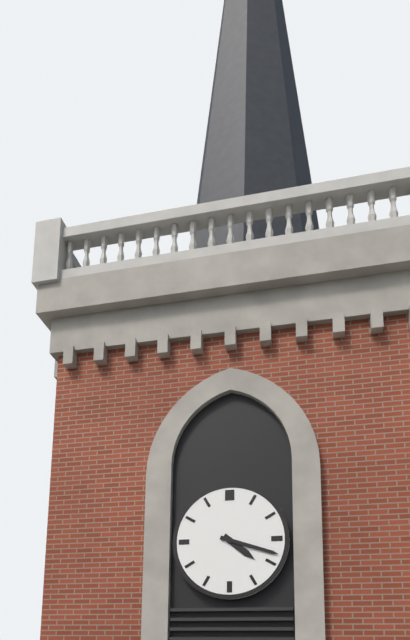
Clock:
4.18
